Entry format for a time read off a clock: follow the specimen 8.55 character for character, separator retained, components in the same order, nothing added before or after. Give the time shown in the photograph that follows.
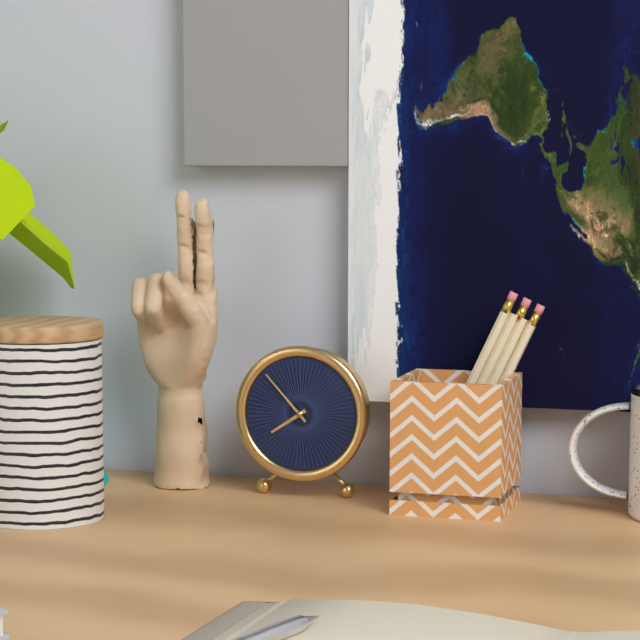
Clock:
7.53
